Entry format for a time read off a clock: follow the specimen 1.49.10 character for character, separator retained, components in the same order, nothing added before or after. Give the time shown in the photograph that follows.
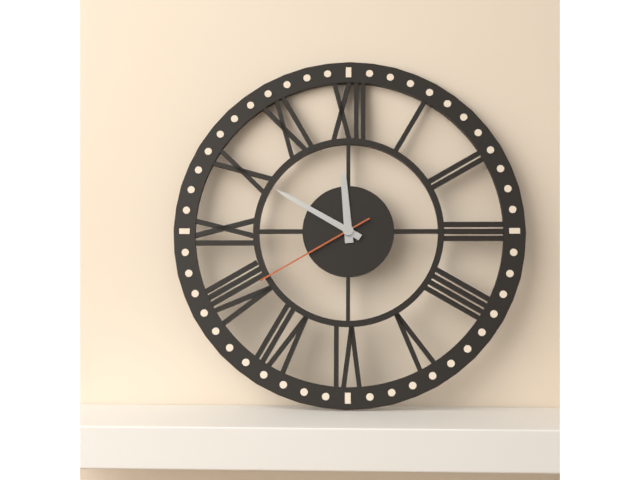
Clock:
11.50.40
